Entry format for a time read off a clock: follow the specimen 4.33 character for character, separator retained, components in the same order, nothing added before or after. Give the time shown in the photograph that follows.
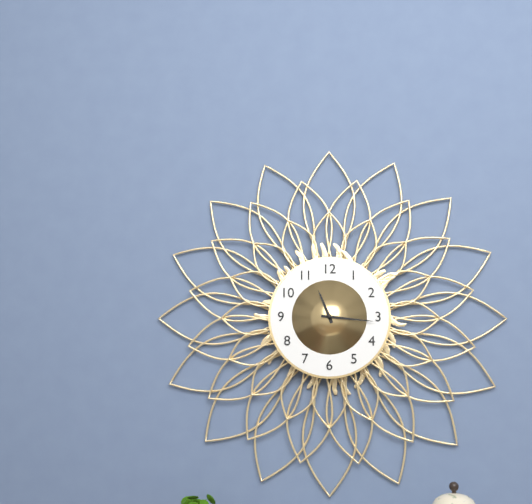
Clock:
11.16
